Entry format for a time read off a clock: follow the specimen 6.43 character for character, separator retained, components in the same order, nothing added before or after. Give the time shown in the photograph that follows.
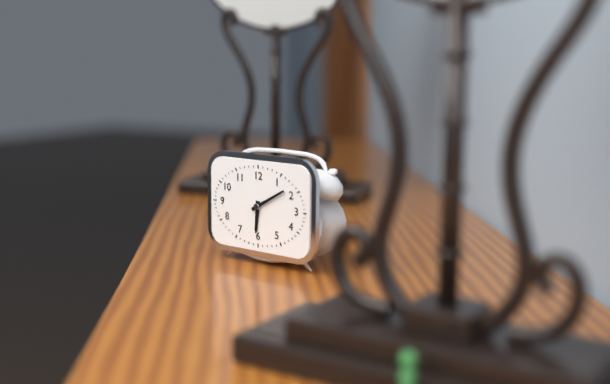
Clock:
6.10
